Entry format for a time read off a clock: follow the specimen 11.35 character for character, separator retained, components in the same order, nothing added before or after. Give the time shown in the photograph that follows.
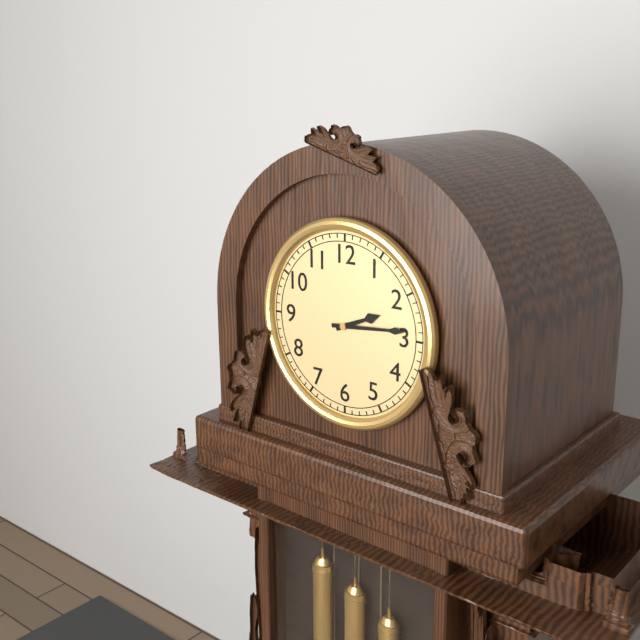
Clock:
2.14
